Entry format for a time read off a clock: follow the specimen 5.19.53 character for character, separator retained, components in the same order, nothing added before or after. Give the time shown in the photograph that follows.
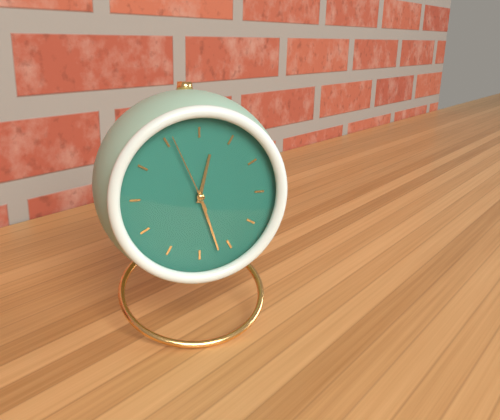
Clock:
12.27.56
